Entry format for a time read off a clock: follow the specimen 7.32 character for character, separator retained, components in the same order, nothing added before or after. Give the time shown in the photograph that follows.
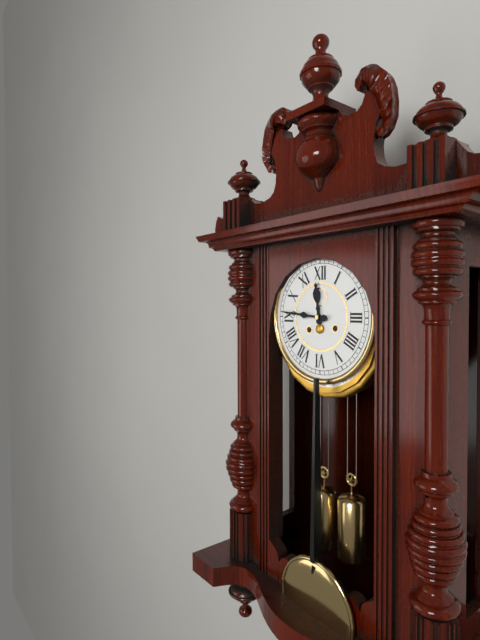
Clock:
11.46
